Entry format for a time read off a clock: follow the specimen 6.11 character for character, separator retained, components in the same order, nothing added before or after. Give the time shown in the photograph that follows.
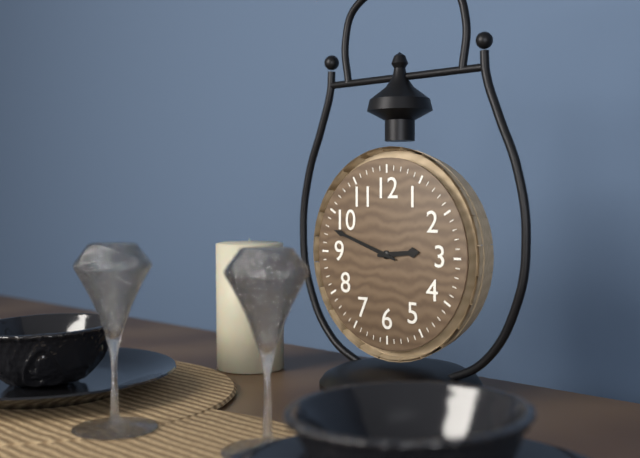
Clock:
2.48
